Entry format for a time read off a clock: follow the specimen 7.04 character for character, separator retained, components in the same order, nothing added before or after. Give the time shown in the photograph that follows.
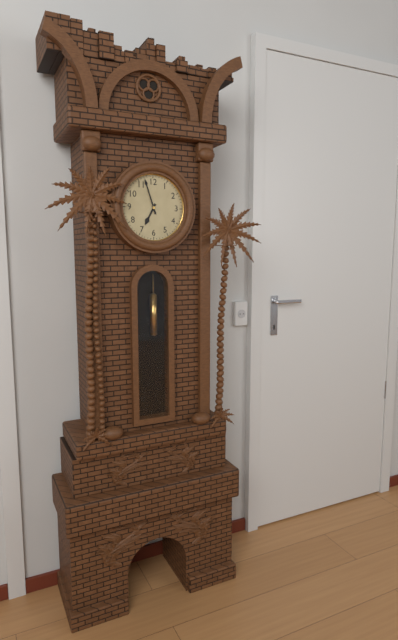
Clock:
6.57
